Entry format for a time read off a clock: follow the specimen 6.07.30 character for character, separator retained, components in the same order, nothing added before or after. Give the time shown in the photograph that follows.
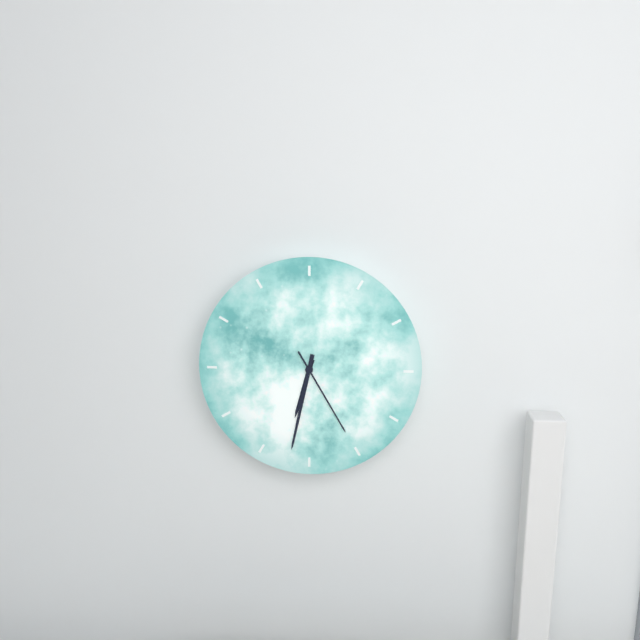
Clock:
6.32.25
